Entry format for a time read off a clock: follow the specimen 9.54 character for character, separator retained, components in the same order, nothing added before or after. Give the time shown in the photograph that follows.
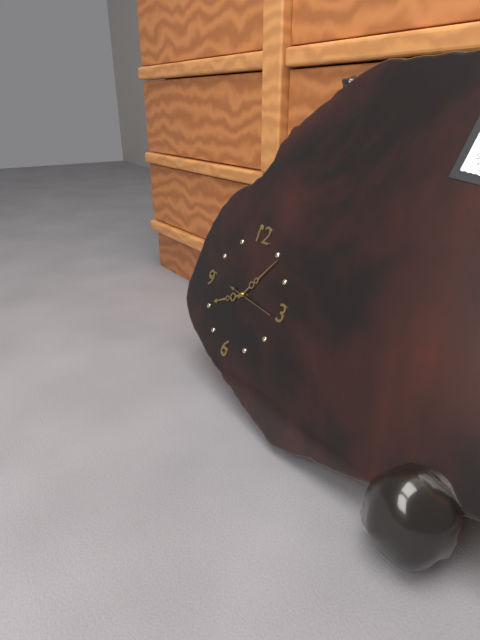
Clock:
8.06
